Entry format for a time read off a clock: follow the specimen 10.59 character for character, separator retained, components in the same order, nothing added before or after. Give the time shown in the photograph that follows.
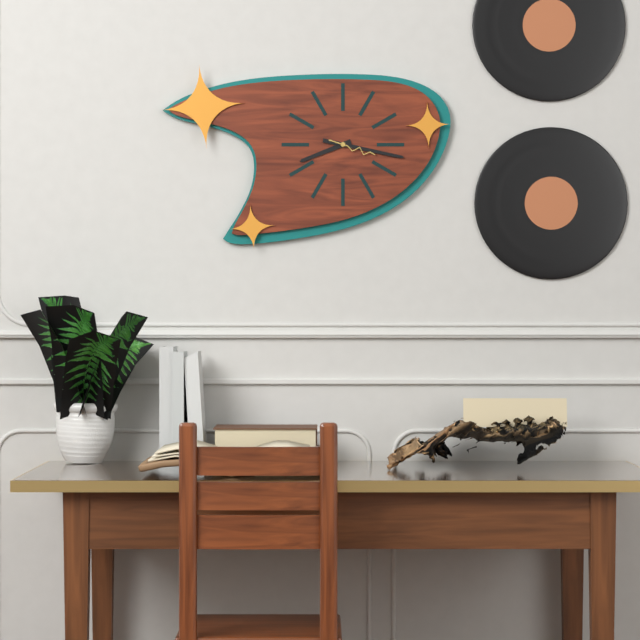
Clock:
8.17
